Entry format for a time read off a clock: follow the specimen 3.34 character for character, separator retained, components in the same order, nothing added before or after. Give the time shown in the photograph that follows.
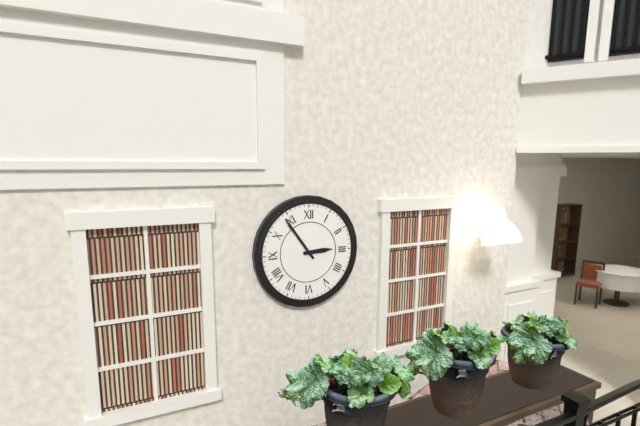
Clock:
2.54
